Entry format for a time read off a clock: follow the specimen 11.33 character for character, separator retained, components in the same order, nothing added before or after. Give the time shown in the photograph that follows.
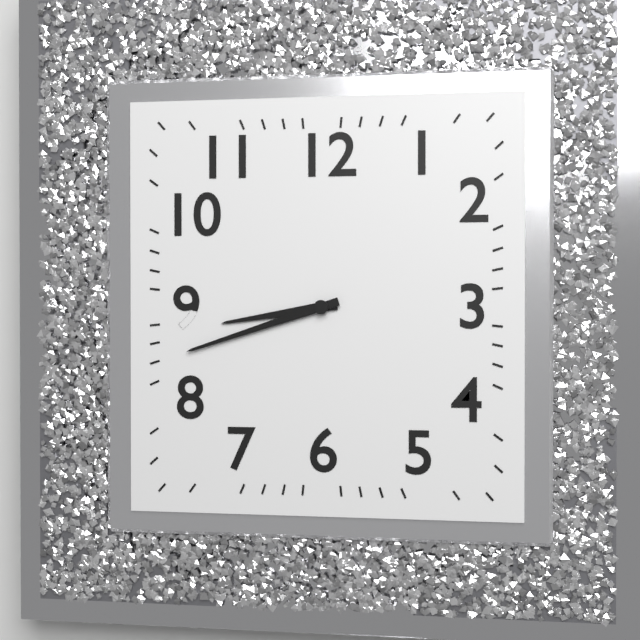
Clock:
8.42
